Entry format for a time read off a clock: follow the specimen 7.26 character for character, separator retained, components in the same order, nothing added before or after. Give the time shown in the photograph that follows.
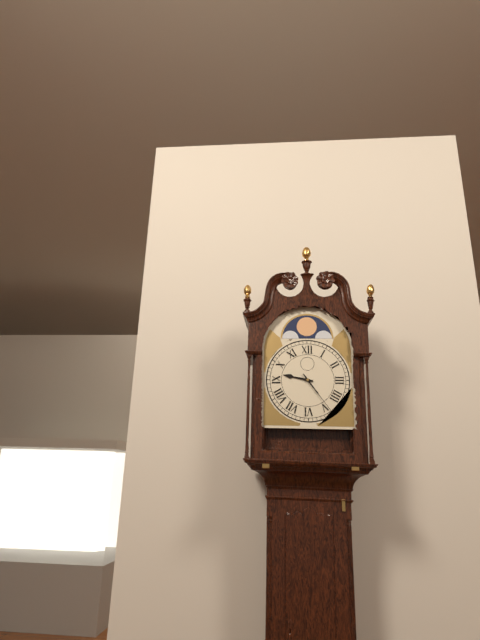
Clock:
9.24
